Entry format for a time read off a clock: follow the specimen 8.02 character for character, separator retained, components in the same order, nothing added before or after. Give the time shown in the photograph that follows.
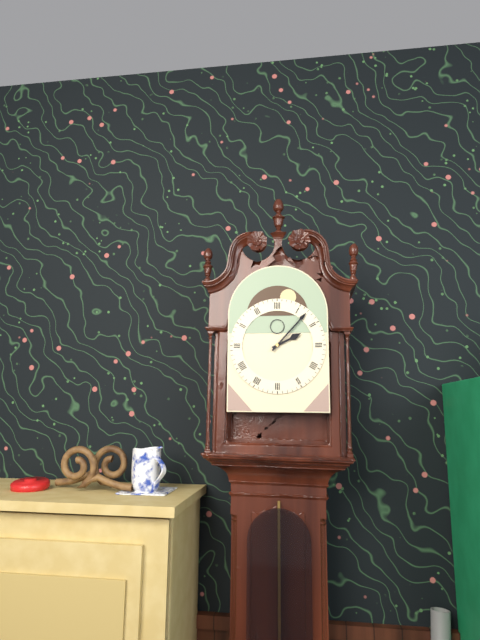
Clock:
2.07
